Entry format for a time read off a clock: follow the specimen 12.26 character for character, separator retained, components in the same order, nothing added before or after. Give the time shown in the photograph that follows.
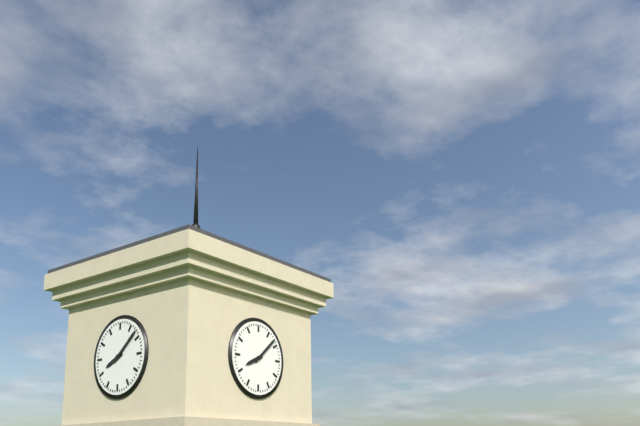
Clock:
8.08
